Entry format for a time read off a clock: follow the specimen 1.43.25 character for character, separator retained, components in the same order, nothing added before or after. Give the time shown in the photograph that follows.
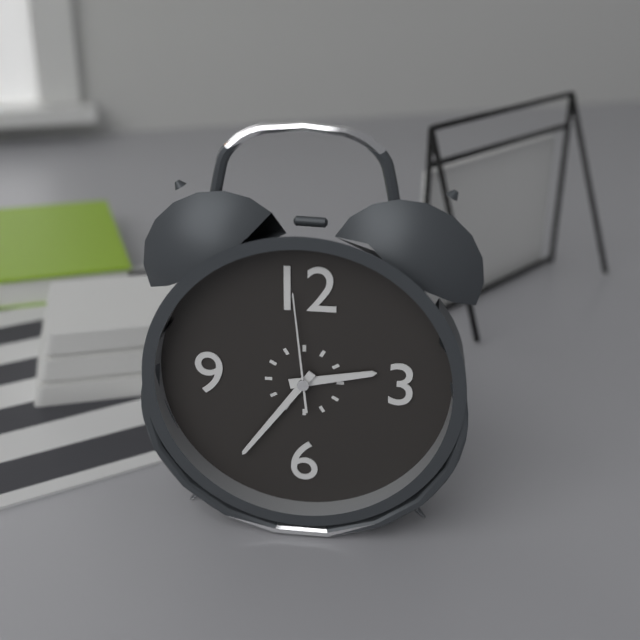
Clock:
2.36.59
